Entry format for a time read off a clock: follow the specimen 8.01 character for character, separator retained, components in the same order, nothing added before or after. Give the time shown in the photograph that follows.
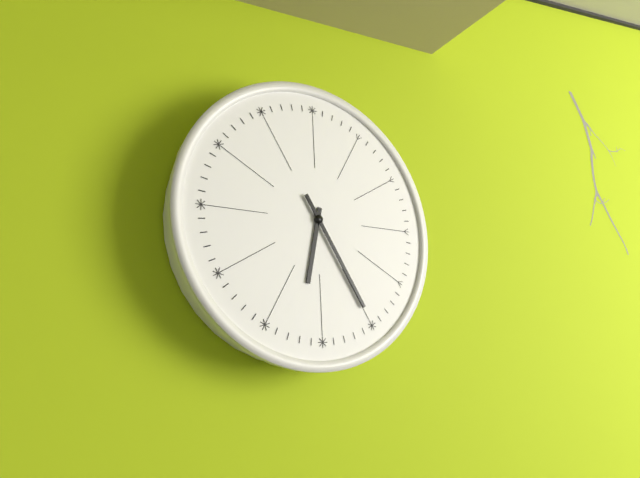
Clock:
6.25
